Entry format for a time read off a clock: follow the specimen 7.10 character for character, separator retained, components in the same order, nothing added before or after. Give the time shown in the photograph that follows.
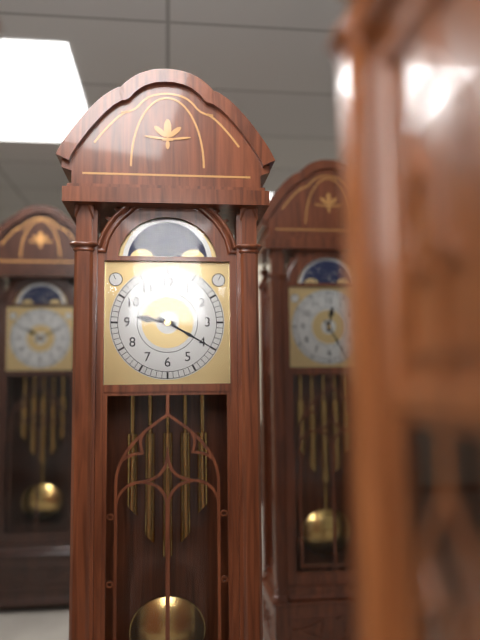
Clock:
9.20
